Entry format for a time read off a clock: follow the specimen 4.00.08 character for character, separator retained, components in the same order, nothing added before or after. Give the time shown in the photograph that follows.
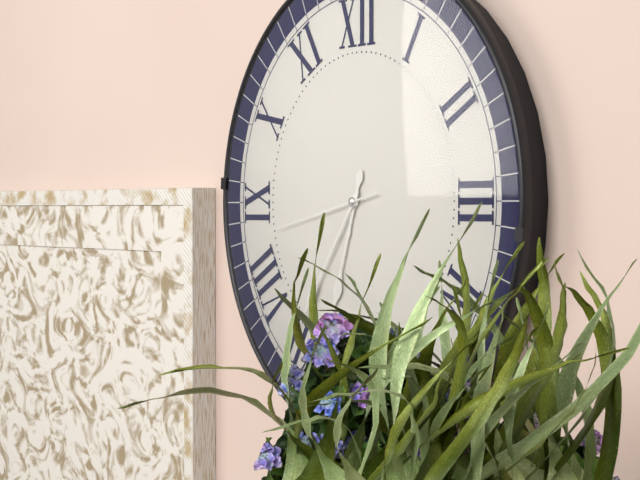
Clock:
6.36.43
